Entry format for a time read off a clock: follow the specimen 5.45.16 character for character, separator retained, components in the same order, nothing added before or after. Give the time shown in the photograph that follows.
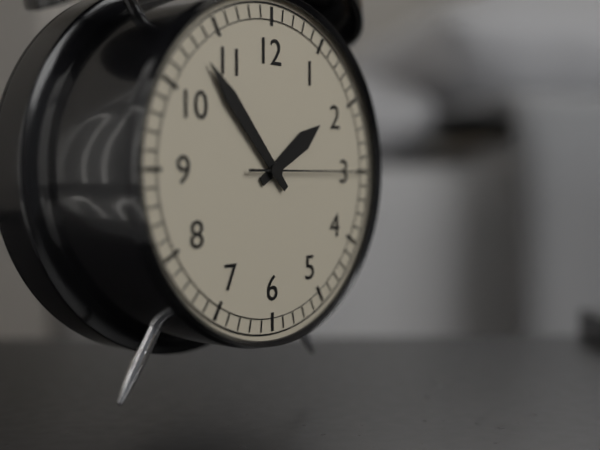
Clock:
1.53.15
